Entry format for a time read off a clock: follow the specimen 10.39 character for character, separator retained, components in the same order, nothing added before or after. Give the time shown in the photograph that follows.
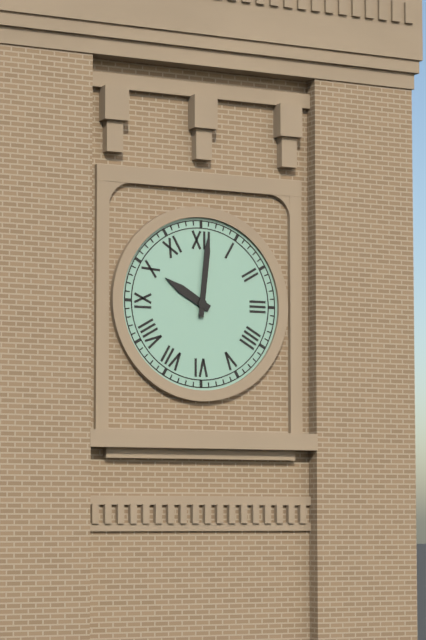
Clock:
10.01
